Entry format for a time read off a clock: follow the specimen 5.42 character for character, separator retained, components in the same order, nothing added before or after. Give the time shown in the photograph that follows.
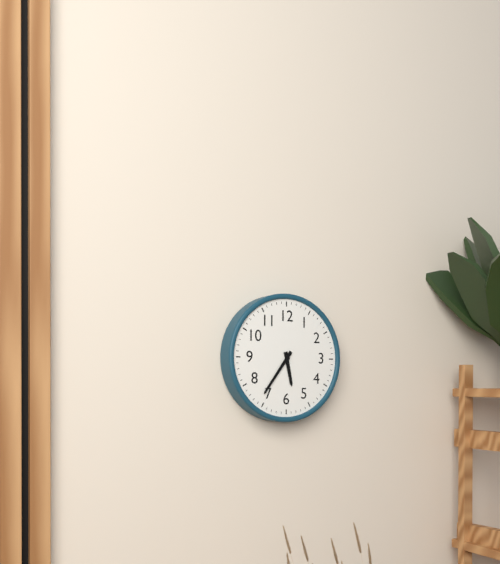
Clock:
5.36
